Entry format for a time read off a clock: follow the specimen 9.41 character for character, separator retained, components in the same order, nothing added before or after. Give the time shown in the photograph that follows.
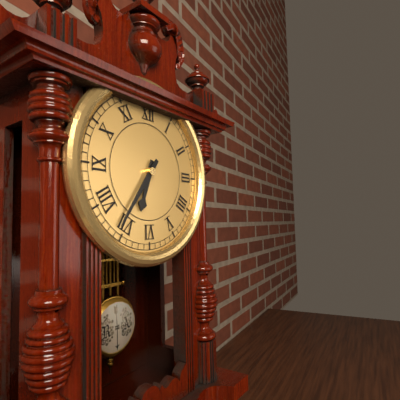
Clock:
6.36
